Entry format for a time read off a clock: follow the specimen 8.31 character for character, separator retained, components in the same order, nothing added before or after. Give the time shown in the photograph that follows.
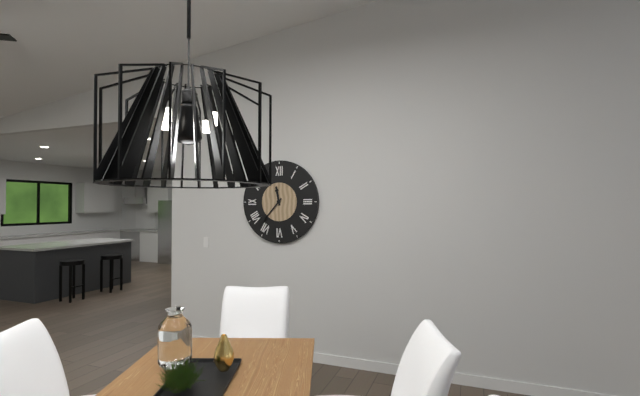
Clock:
11.37
